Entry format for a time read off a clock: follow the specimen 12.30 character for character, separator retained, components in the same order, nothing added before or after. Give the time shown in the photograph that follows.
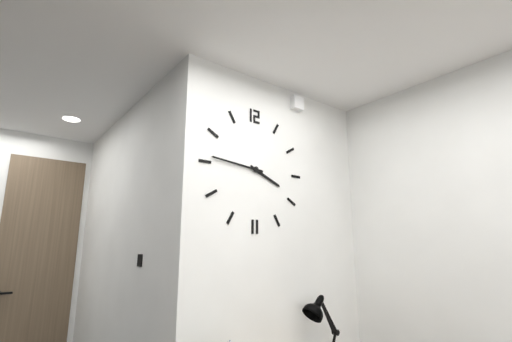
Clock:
3.46
